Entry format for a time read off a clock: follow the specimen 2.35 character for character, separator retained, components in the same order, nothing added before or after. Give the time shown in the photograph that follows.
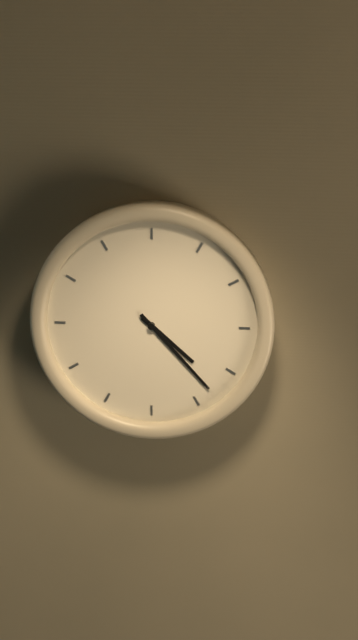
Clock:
4.23
